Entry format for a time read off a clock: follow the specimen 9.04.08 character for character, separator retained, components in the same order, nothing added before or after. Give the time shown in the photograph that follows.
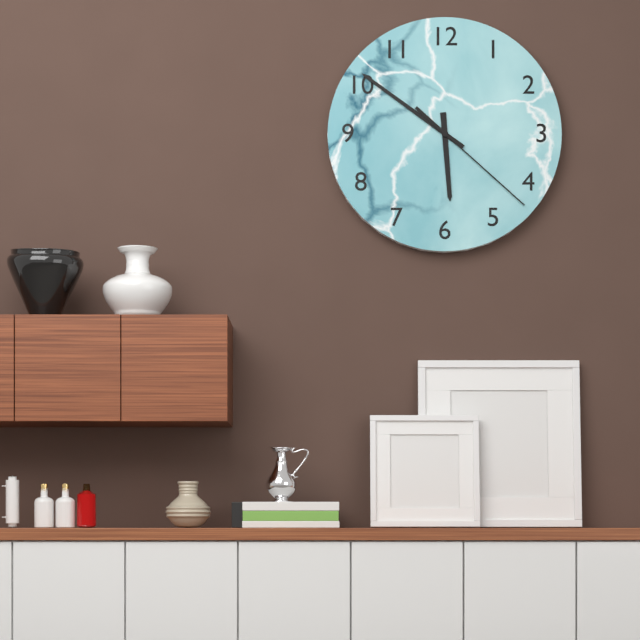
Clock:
5.51.22
